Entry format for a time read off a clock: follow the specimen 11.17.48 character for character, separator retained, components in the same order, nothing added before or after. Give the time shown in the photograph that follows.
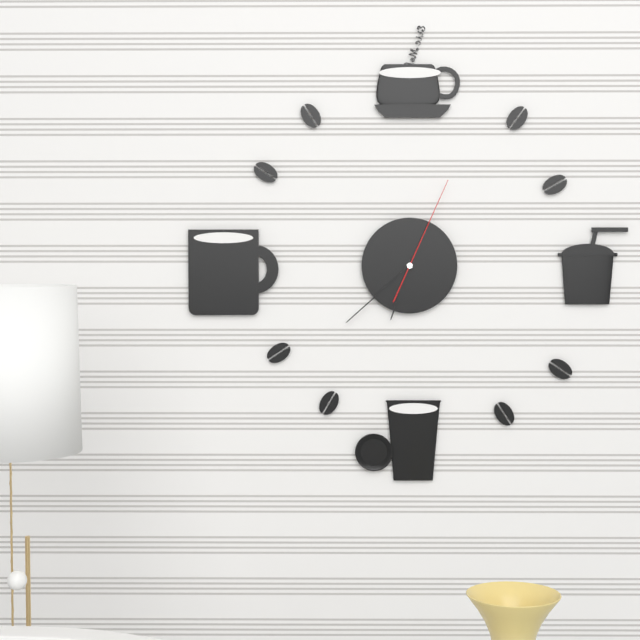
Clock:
6.38.04
